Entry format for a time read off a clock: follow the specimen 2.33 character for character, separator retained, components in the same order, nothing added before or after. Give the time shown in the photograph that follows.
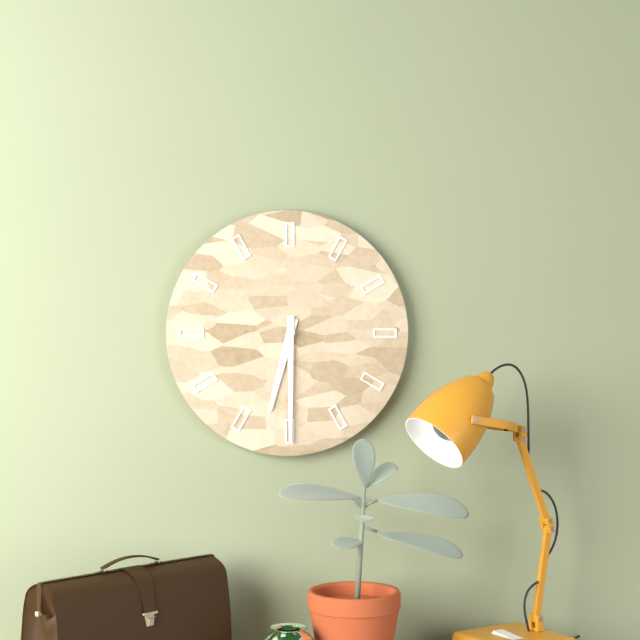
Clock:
6.30
